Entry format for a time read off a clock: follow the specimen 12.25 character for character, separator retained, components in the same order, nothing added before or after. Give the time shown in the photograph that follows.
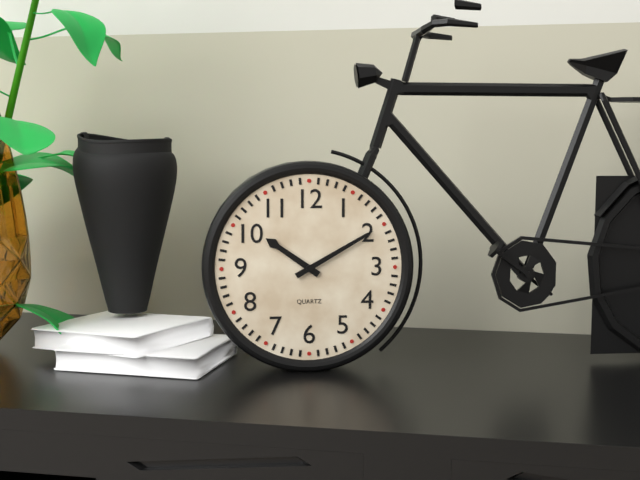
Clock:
10.10
